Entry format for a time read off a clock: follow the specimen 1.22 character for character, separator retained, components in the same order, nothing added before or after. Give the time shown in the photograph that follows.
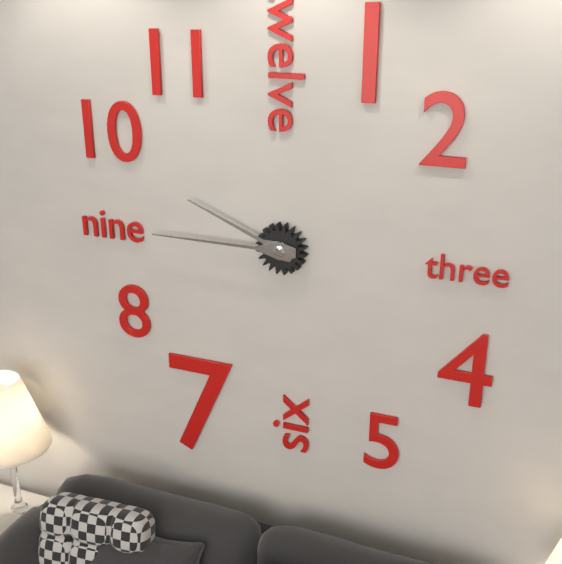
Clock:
9.45
